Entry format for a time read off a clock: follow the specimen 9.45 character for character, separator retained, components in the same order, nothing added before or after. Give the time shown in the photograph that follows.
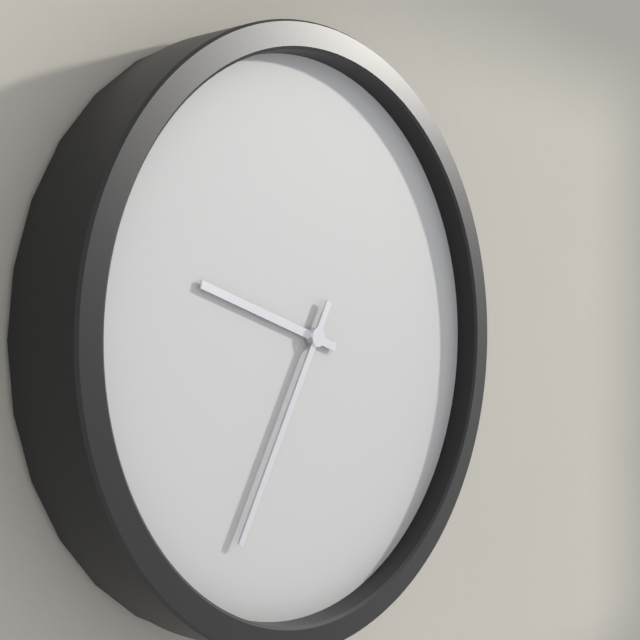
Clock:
9.35
